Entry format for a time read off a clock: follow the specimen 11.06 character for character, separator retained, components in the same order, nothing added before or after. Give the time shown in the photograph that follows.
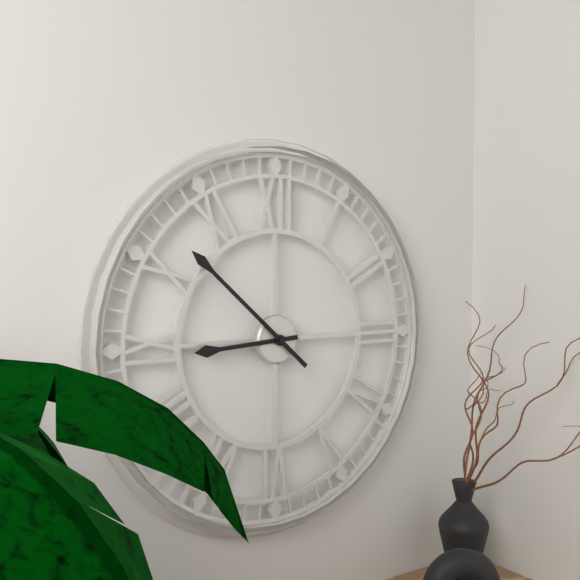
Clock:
8.52
